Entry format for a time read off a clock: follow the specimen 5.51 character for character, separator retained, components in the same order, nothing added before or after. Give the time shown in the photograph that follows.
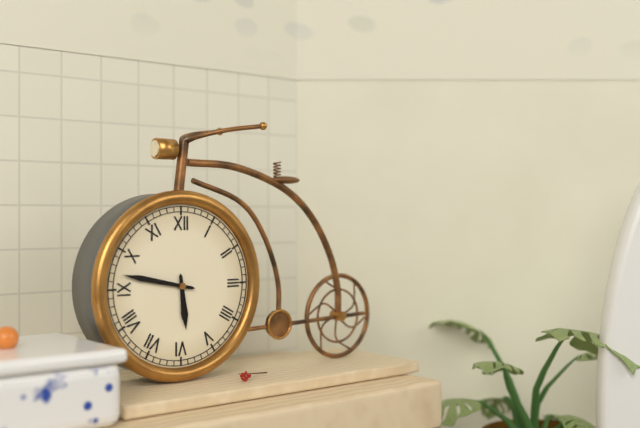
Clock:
5.47
